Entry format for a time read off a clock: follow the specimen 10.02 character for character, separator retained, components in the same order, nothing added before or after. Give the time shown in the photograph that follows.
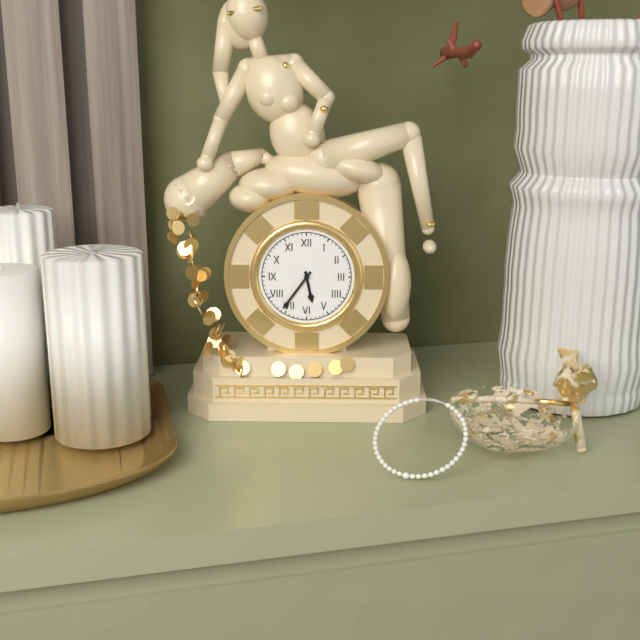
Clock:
5.36
